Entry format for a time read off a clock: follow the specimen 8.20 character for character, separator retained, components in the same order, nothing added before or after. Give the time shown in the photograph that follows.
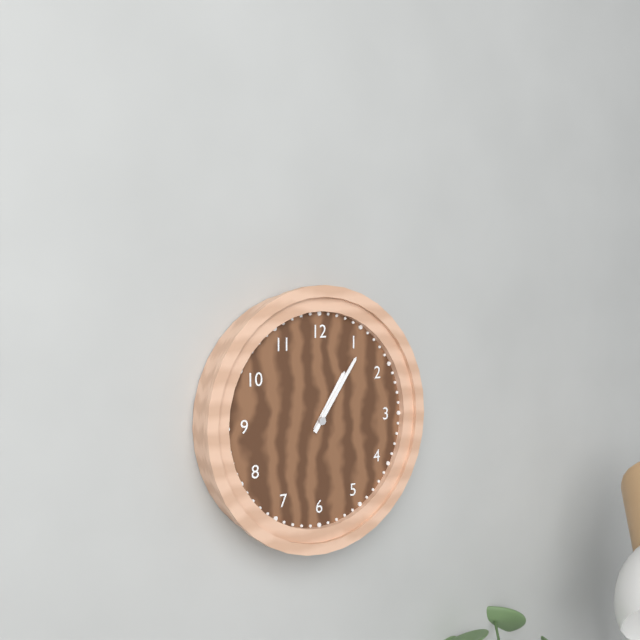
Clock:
1.06
